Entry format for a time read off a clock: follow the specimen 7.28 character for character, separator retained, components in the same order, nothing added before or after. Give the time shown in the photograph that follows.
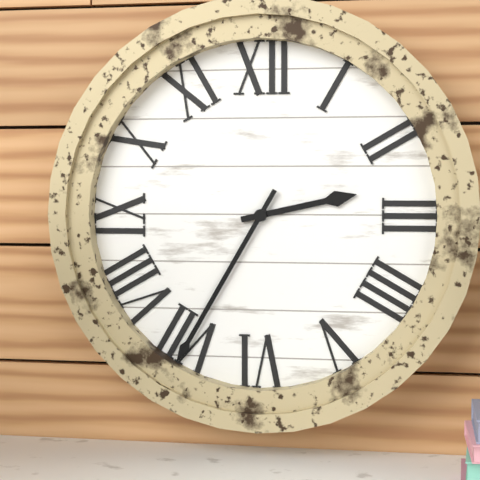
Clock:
2.35
